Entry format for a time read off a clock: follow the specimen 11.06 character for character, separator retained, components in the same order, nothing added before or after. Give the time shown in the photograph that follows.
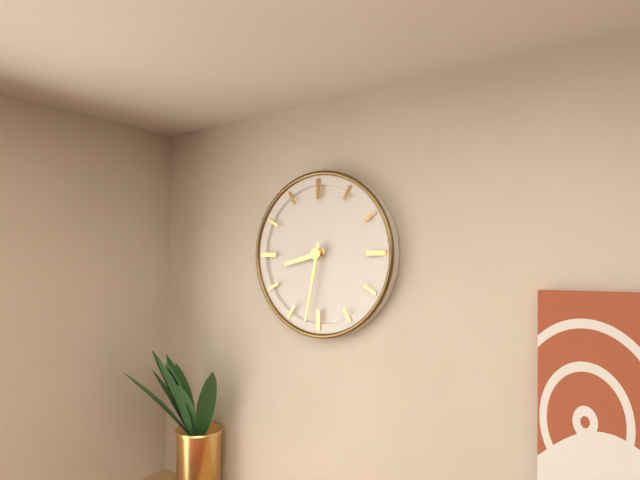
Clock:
8.32
